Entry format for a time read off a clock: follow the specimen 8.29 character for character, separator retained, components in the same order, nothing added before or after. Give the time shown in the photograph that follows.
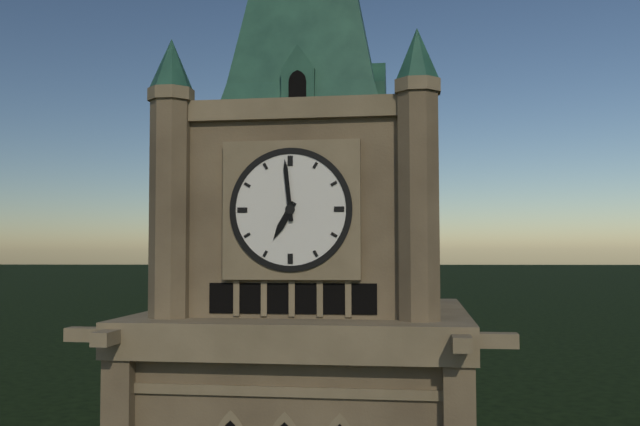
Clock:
6.59
